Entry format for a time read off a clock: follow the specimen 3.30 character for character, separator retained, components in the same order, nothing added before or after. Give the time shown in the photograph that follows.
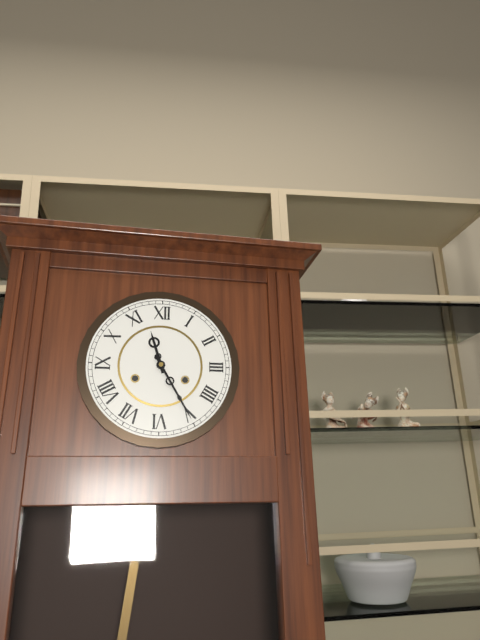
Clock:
11.25
